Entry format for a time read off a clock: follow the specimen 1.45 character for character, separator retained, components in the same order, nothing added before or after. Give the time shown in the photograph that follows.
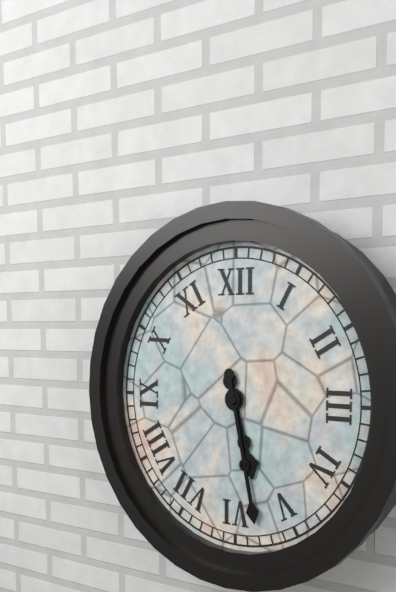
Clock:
5.28
